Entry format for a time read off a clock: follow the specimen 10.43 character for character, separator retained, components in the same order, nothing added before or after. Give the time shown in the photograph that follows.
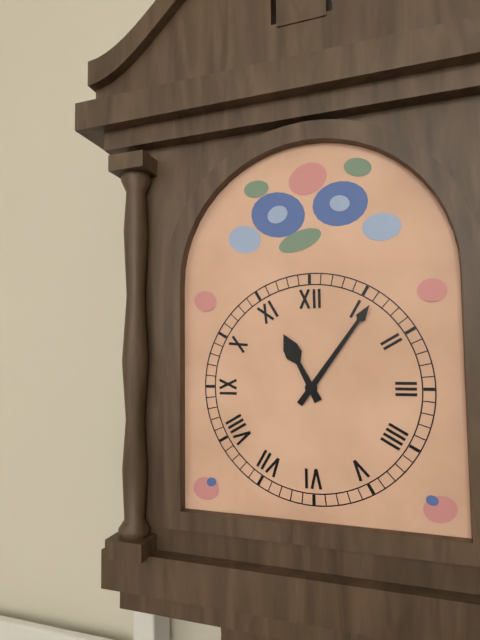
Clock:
11.06
